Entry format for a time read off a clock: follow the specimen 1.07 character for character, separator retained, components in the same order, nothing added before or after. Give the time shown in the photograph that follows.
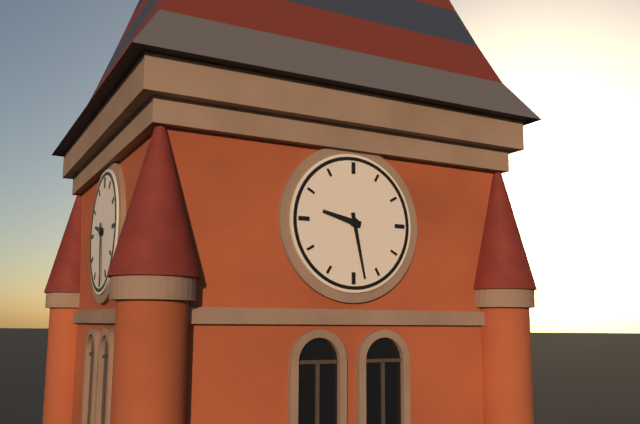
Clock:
9.28
